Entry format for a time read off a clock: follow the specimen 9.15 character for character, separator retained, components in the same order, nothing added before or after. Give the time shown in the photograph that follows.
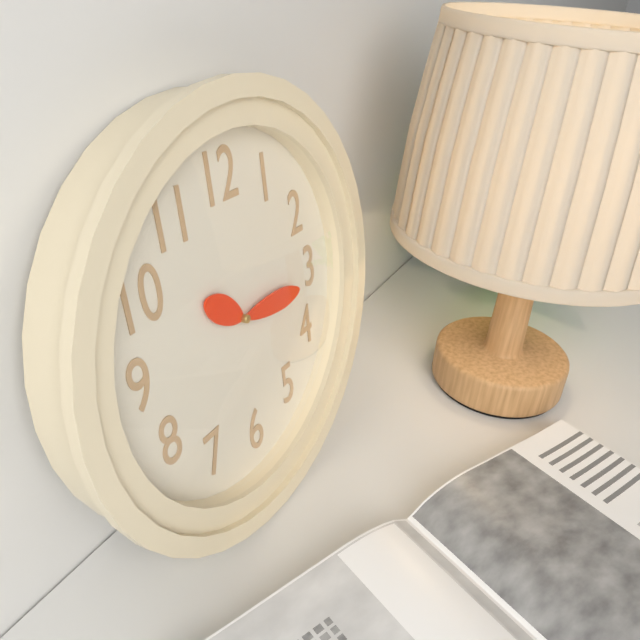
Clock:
10.16
